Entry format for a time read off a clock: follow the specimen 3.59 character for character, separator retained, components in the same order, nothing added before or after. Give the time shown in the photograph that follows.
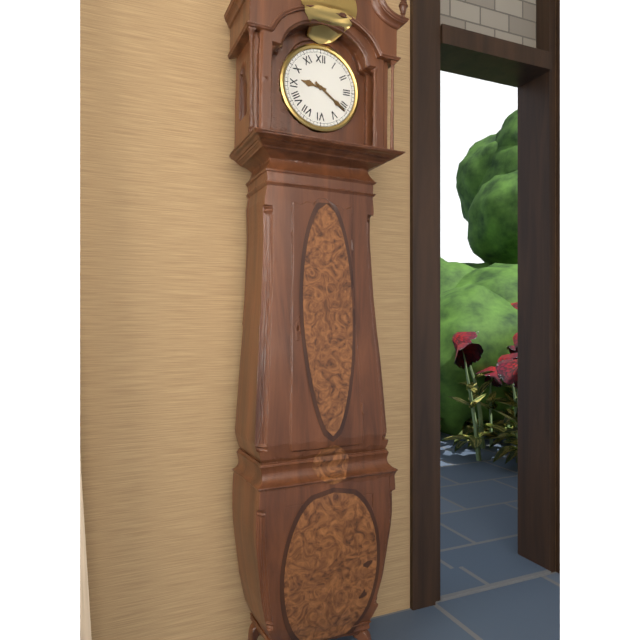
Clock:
9.21
